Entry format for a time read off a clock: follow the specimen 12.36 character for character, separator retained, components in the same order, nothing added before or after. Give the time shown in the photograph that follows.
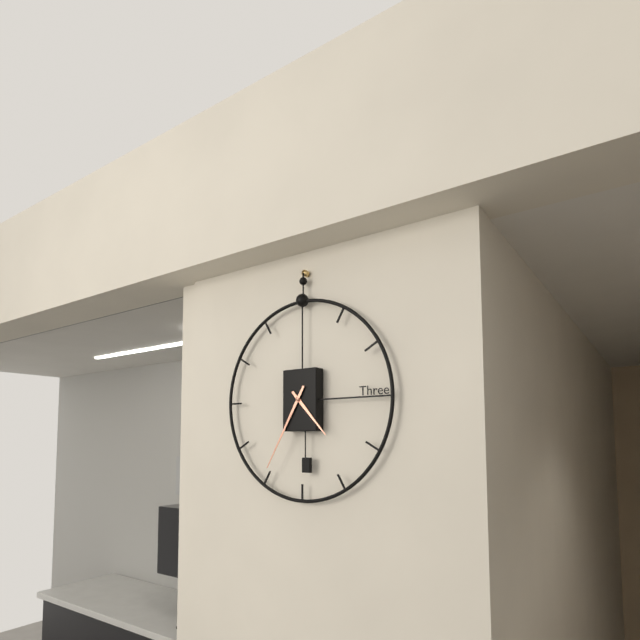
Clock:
4.35
